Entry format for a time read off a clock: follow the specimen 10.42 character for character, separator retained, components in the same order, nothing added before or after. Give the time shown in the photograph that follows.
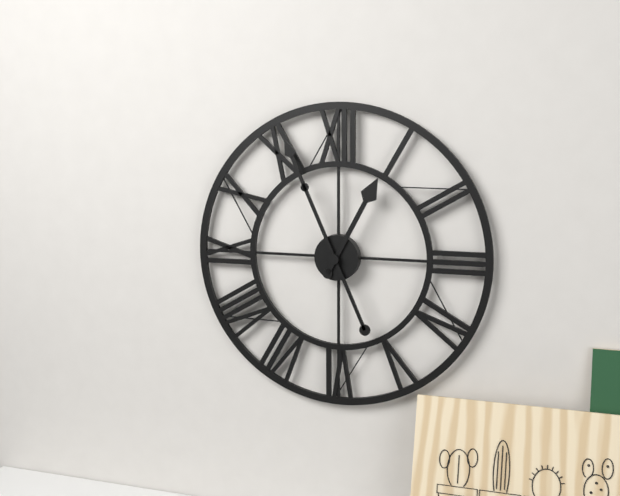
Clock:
12.56
